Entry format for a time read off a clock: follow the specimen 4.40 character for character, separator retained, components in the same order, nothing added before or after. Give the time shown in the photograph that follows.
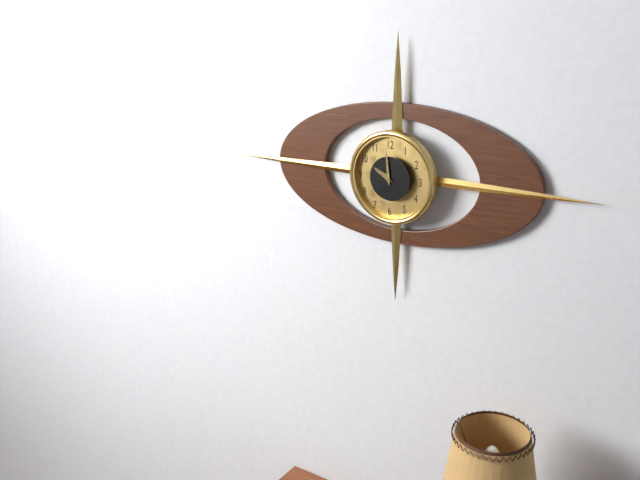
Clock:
9.59
